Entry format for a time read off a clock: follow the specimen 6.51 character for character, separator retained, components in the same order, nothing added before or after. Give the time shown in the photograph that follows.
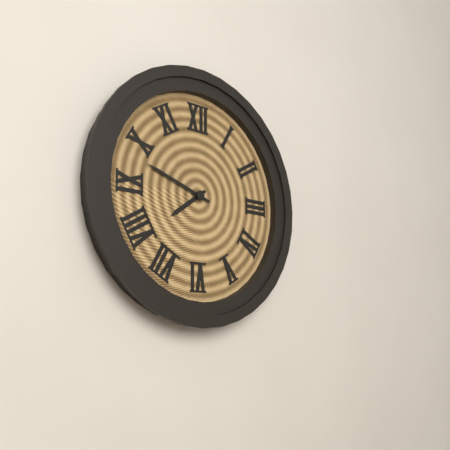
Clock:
7.48
